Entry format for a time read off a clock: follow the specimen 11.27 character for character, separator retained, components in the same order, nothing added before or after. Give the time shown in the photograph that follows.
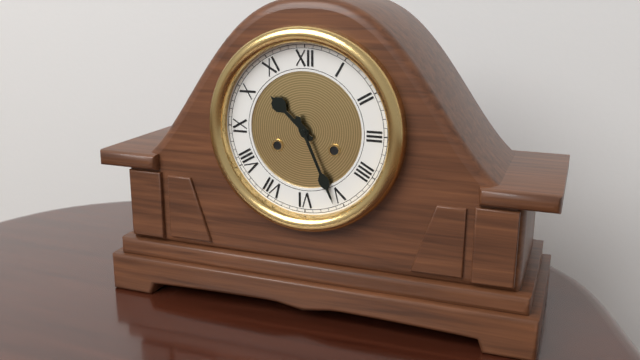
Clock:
10.26
